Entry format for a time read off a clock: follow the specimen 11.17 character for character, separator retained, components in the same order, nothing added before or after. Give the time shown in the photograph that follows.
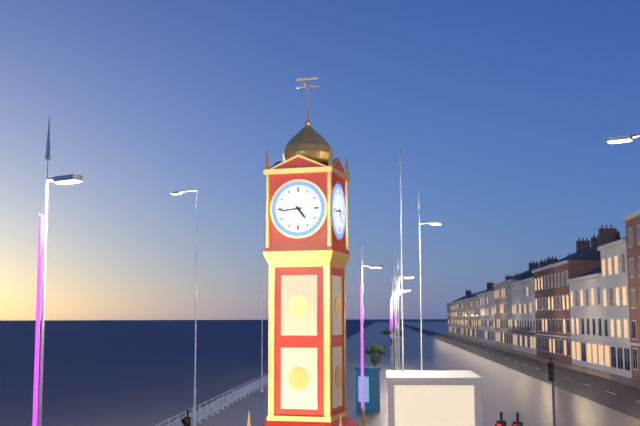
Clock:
4.44
